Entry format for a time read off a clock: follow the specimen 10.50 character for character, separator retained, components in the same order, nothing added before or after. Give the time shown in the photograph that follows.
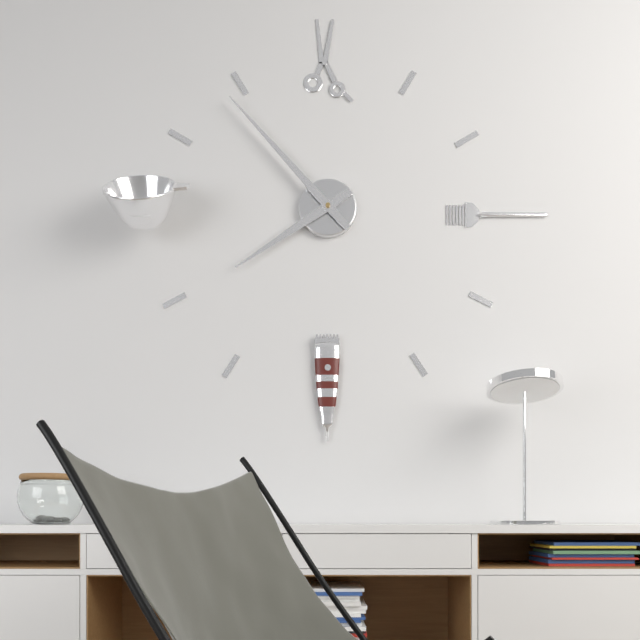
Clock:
7.53
